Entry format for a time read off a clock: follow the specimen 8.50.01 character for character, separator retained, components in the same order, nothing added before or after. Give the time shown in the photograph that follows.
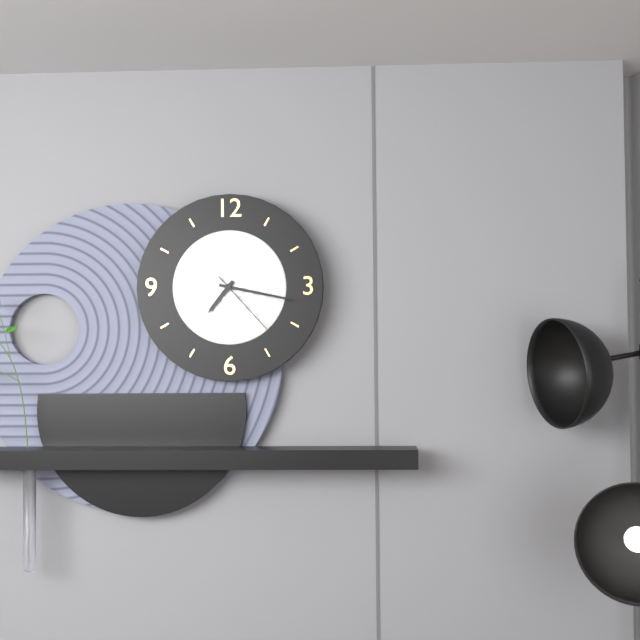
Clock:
7.17.23
